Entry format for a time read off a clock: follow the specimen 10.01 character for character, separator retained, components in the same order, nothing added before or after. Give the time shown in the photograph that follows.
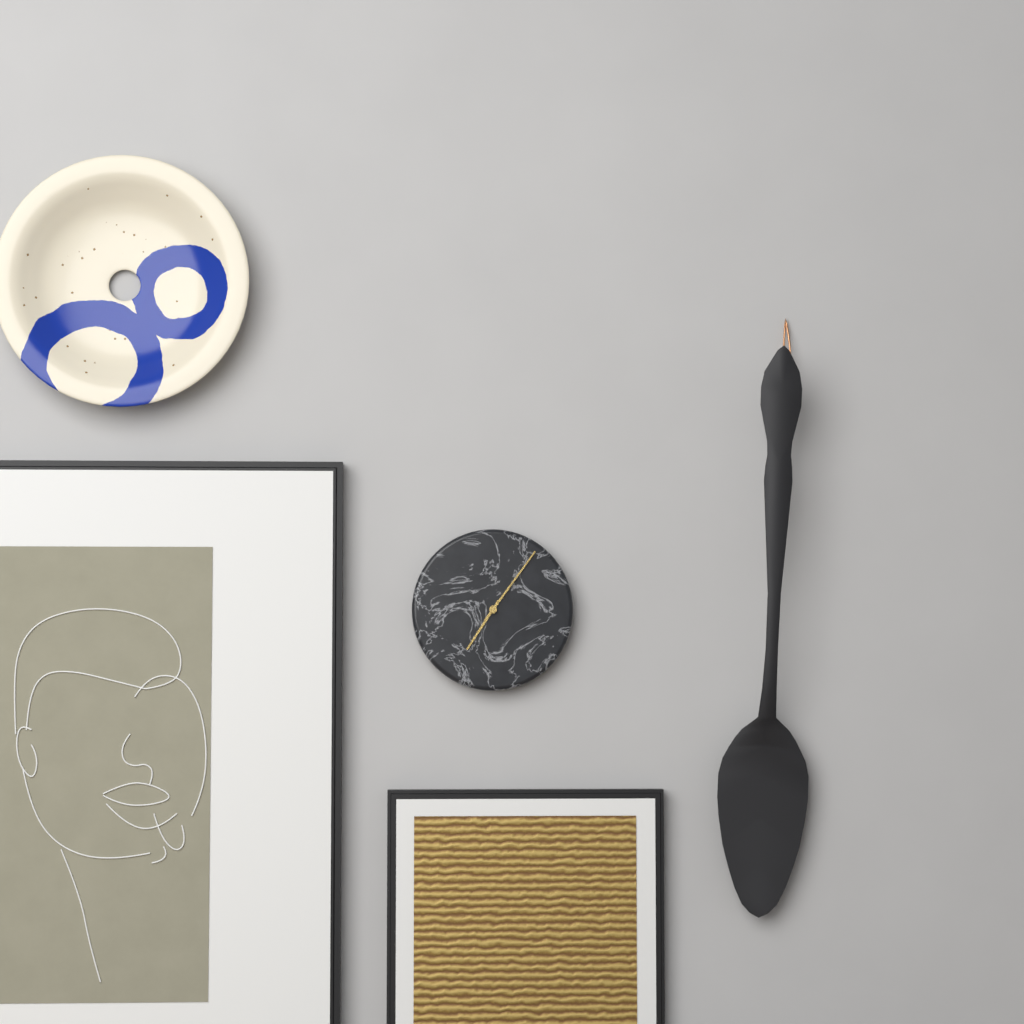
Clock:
7.06
